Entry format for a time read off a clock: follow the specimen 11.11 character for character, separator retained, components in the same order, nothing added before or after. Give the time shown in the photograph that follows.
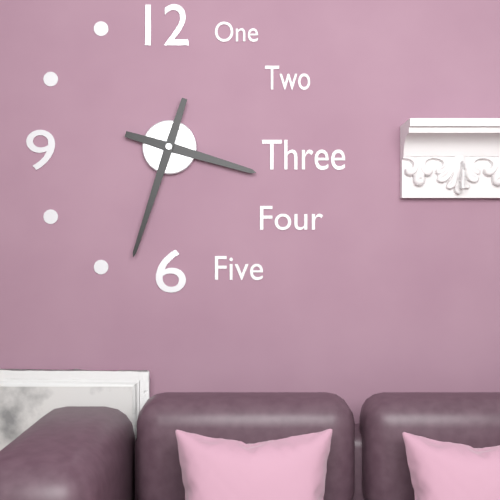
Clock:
3.33
